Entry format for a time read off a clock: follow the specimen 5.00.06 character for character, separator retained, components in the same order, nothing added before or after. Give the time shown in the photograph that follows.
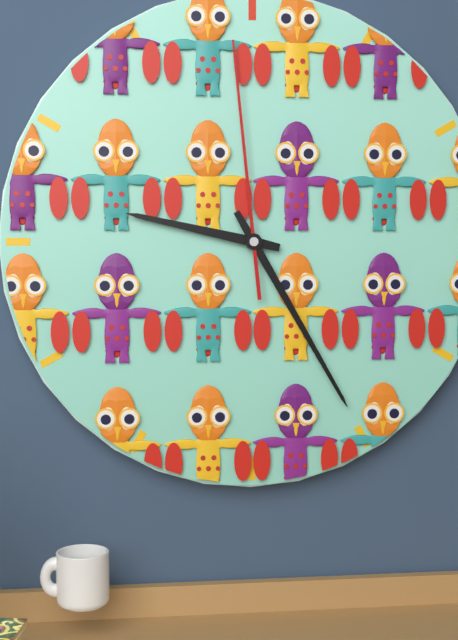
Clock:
9.25.59
